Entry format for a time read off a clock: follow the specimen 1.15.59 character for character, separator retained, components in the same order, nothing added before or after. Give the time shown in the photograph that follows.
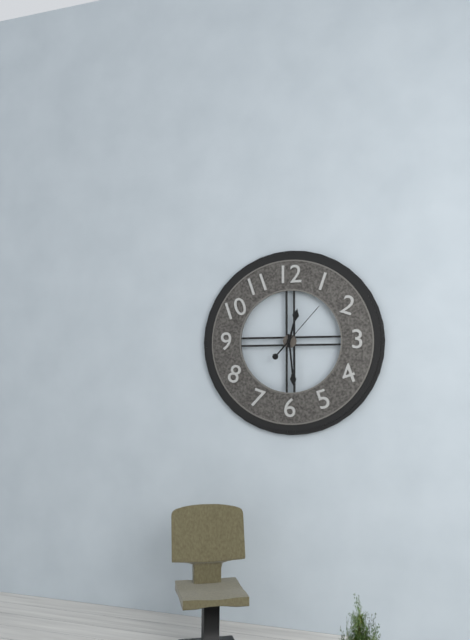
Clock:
12.29.07
